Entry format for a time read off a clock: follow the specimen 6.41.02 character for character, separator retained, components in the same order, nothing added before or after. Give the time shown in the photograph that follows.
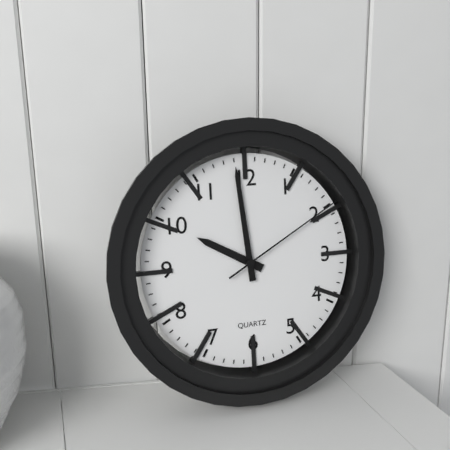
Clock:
9.59.10
